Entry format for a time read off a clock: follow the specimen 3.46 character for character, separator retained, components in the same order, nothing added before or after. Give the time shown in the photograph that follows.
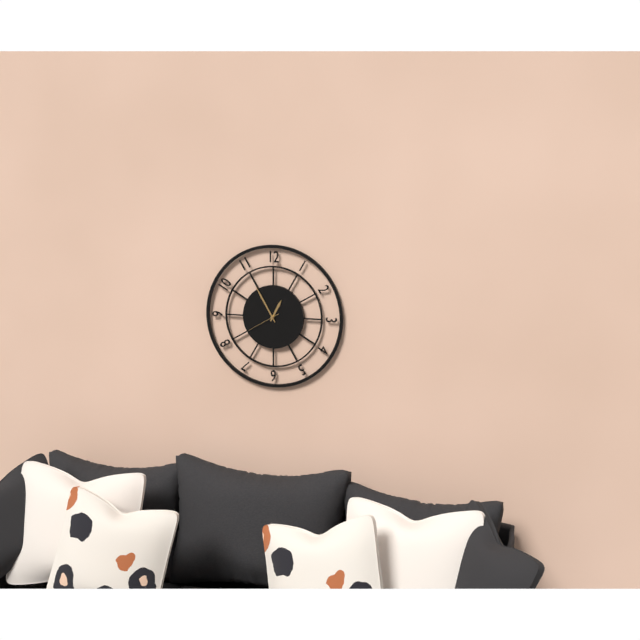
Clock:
12.55
